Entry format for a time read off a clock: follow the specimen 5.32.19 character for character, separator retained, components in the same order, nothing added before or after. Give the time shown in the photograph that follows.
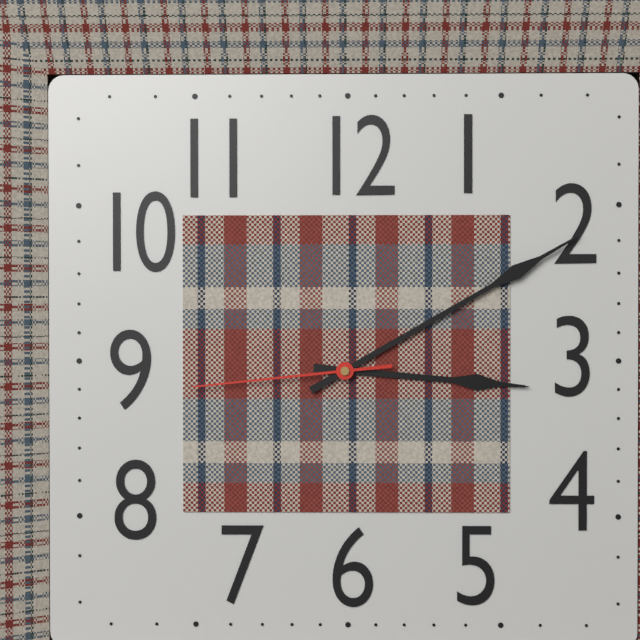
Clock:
3.10.44
